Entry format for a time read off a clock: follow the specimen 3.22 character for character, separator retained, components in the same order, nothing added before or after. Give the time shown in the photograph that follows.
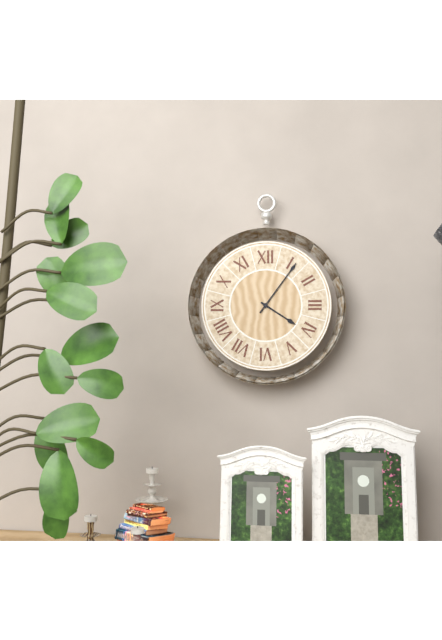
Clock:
4.06
